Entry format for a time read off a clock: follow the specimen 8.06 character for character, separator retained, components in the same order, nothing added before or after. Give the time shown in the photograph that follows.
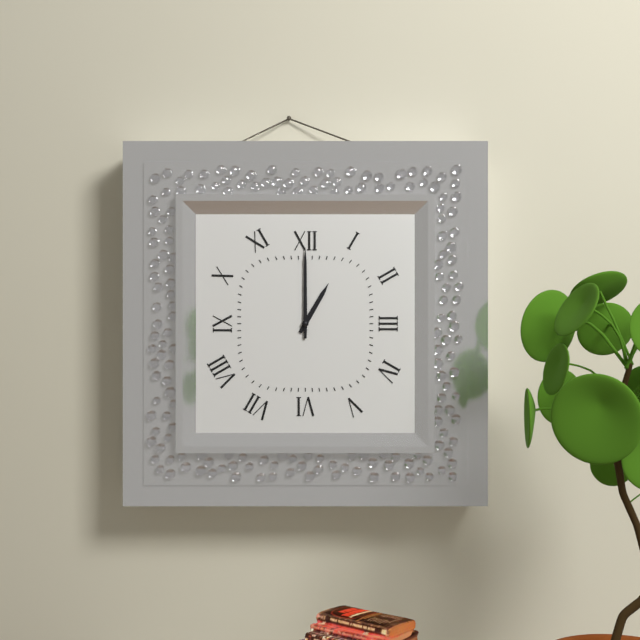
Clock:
1.00
